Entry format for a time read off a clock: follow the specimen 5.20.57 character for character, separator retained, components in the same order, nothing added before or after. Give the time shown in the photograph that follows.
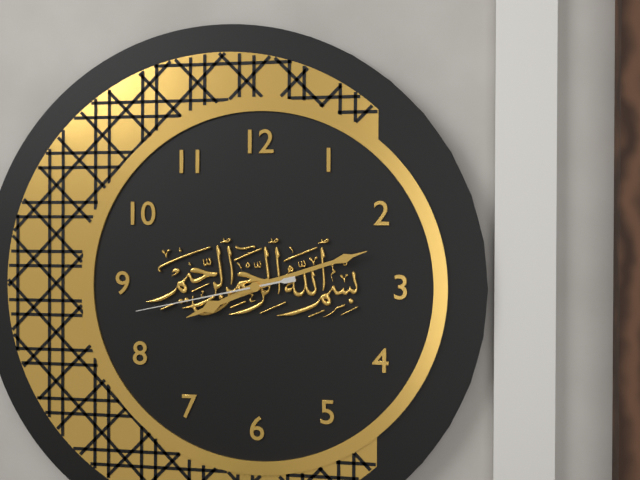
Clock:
8.12.43
